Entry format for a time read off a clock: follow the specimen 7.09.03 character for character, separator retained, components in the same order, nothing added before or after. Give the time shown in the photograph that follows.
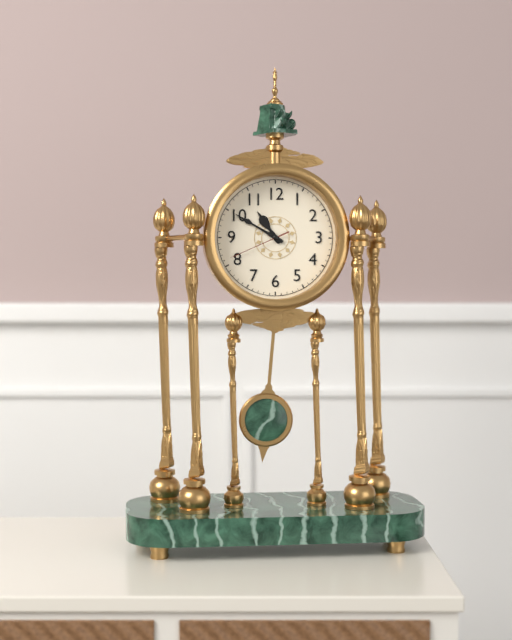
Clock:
10.50.41
